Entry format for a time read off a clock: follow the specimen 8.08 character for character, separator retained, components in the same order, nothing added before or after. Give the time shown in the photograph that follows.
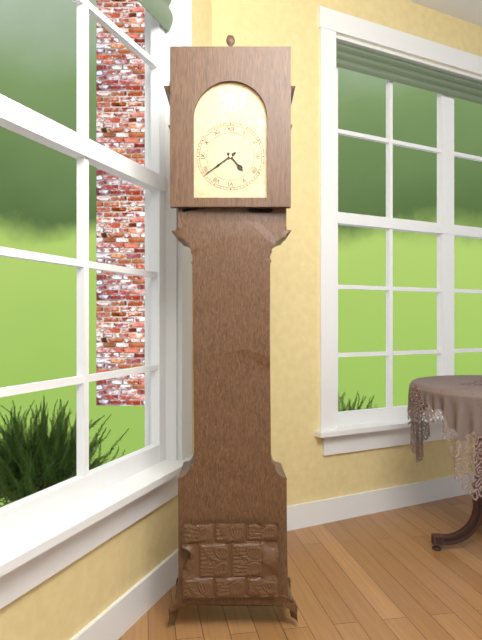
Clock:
4.39
